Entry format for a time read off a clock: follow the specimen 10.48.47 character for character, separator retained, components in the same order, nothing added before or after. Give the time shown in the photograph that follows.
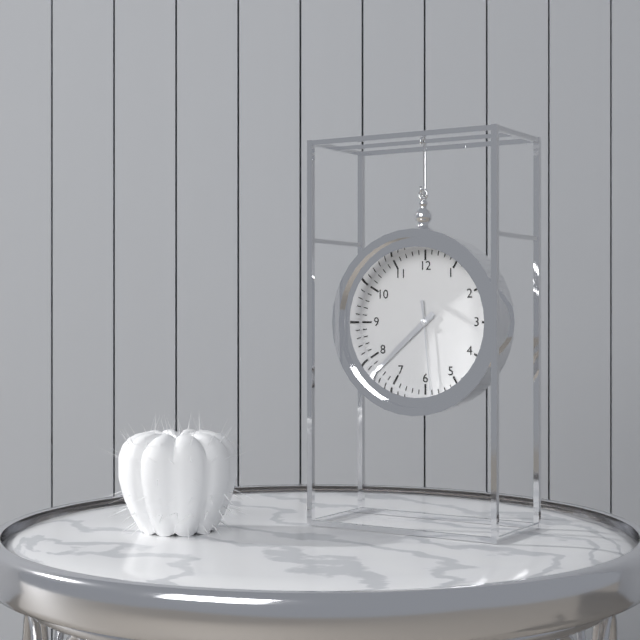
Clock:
7.38.29
